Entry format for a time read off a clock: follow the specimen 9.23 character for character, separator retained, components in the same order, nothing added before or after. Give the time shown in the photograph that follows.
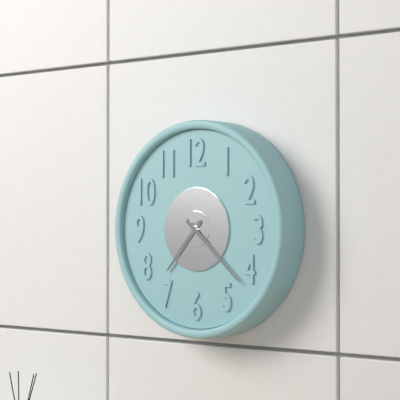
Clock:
7.22
